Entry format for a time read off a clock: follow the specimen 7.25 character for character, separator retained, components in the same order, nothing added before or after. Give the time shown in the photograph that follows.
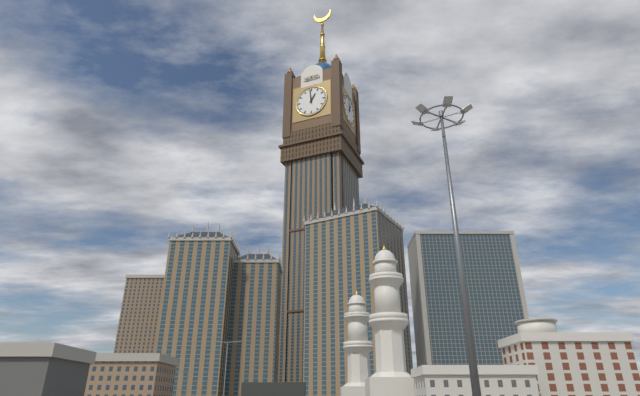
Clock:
12.59
